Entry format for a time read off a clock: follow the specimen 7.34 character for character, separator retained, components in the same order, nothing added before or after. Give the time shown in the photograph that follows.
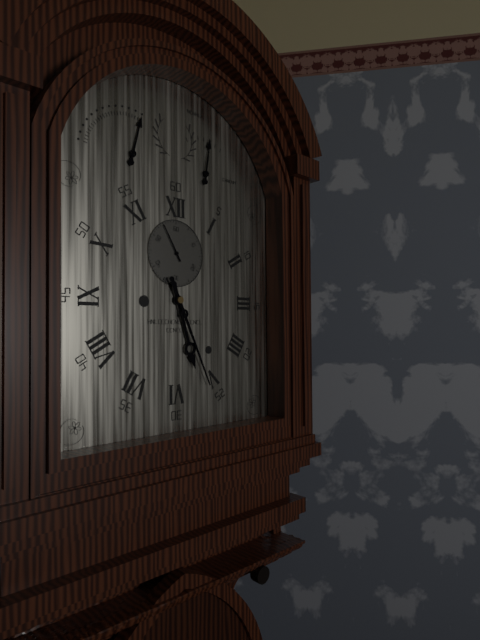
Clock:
5.26
